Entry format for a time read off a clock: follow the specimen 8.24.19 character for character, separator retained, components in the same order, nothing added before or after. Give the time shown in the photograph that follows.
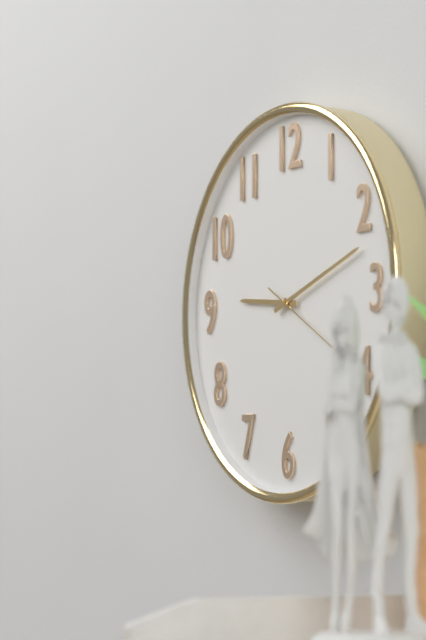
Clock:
9.12.20
